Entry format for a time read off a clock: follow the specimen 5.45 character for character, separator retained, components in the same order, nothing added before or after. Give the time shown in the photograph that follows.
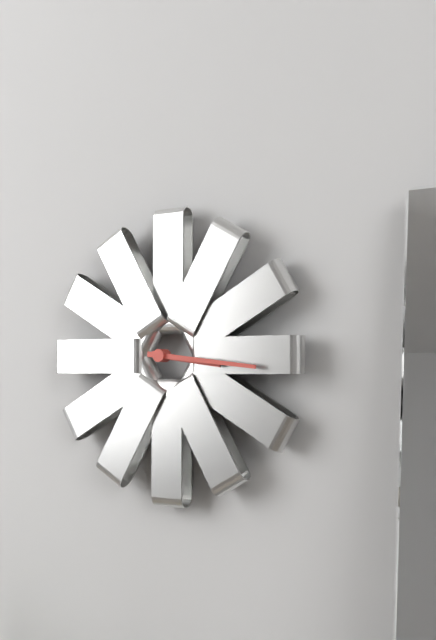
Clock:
3.16
